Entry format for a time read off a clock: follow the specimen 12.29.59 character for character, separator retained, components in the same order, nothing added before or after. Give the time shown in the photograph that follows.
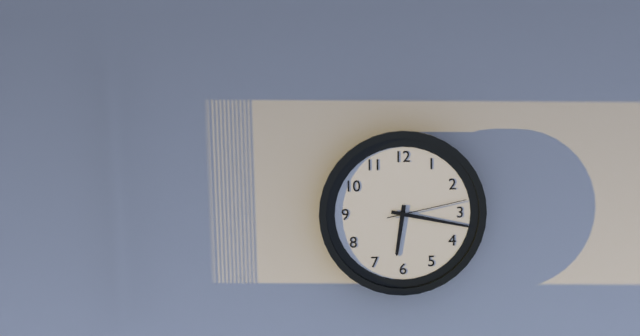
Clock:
6.17.13
